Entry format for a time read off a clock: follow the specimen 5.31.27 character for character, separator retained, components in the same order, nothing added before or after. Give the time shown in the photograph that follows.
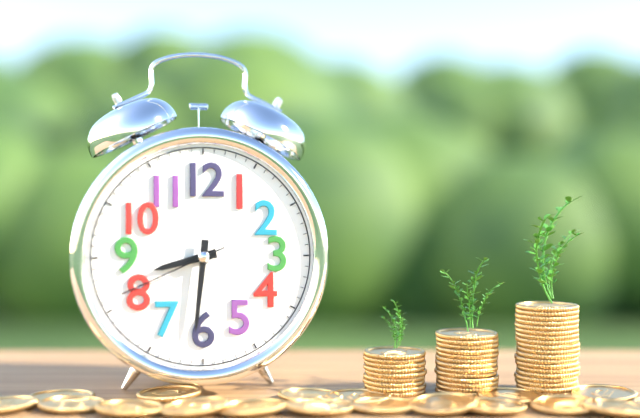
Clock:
8.31.41
